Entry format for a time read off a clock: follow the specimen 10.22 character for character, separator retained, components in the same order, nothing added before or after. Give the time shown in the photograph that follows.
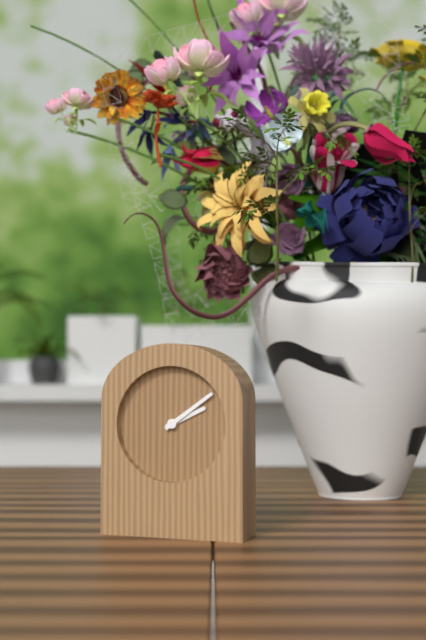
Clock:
2.09
